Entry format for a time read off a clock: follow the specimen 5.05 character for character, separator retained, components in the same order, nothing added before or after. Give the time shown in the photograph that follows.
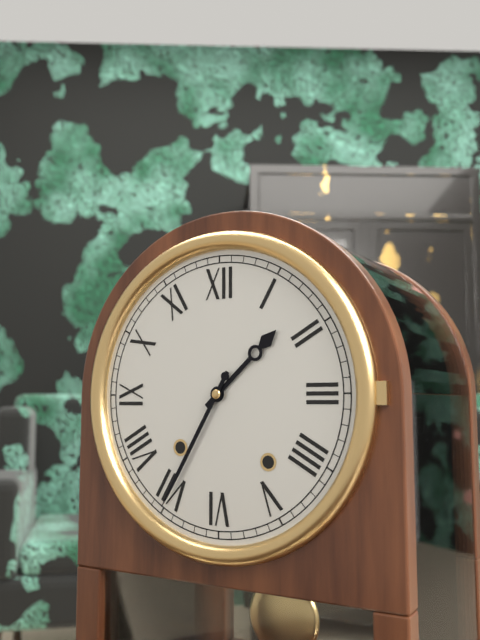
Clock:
1.35
